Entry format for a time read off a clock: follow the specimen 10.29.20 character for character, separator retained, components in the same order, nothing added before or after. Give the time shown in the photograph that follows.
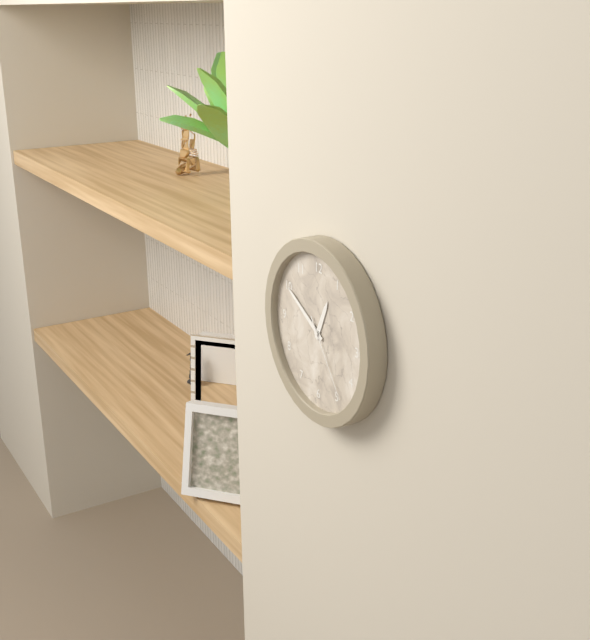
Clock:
12.50.24
